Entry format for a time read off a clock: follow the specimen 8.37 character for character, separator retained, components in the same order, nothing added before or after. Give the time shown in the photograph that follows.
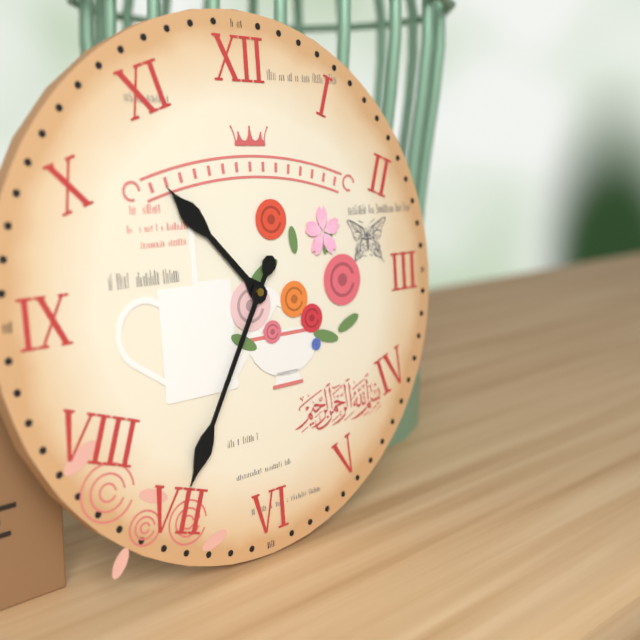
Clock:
10.35
